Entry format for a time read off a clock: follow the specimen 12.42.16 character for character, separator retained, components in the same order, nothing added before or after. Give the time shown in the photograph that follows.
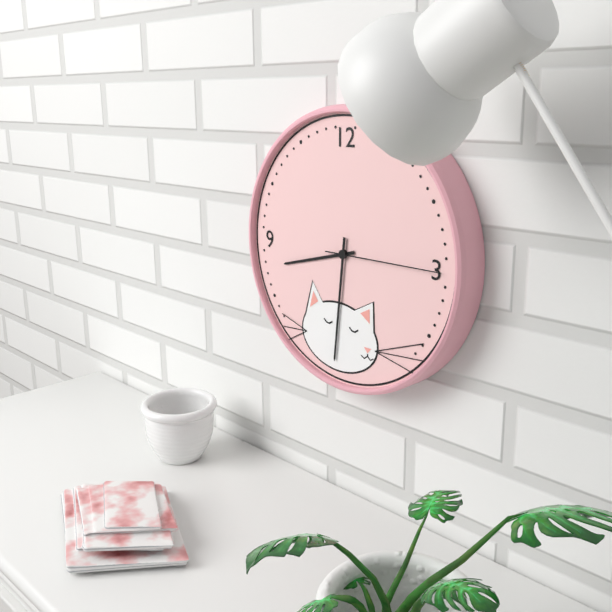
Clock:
8.31.15
